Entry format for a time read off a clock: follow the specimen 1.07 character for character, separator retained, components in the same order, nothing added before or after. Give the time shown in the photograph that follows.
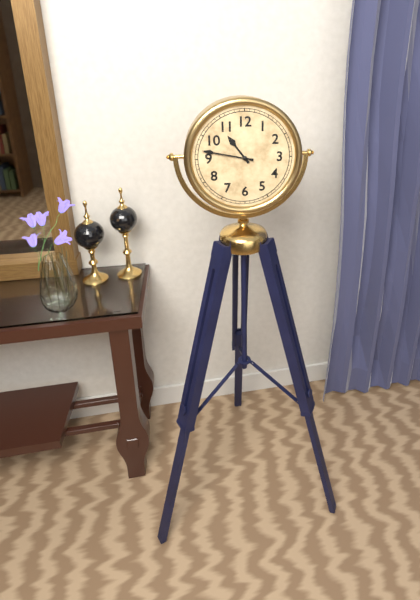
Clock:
10.47
